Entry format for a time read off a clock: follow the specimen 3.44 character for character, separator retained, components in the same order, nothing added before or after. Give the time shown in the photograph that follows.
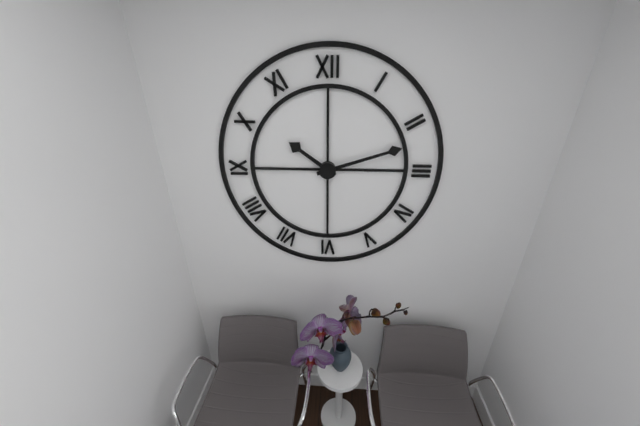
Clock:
10.12
